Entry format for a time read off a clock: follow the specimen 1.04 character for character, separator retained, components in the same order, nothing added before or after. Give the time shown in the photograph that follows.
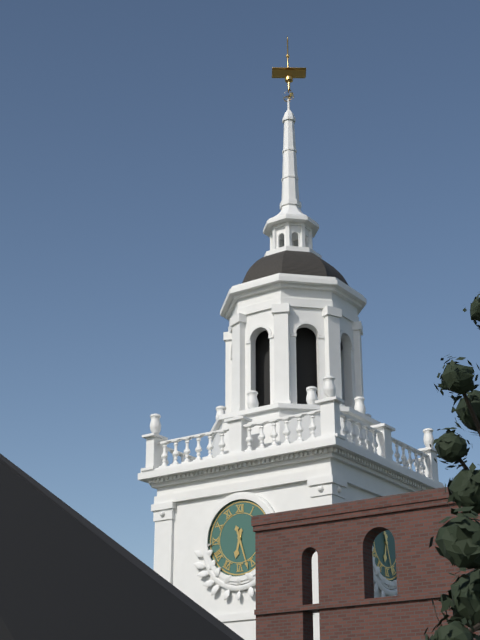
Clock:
6.27
